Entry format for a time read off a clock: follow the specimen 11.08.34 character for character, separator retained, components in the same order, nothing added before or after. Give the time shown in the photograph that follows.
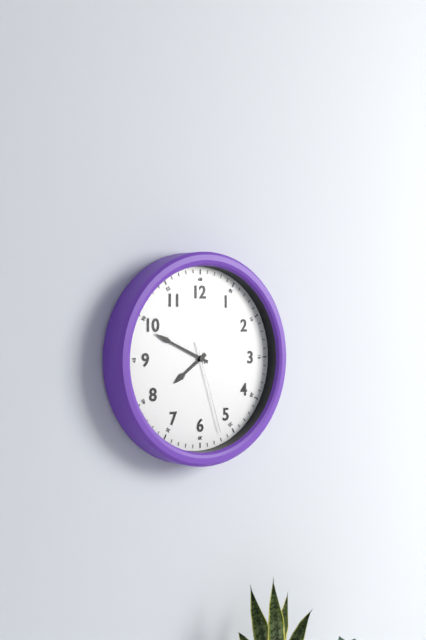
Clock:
7.49.27
